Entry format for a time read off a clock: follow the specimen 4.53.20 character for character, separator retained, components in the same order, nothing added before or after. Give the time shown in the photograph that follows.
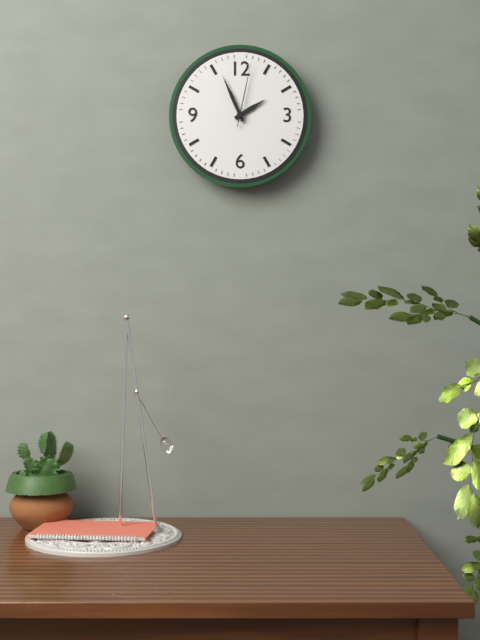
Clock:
1.56.02
